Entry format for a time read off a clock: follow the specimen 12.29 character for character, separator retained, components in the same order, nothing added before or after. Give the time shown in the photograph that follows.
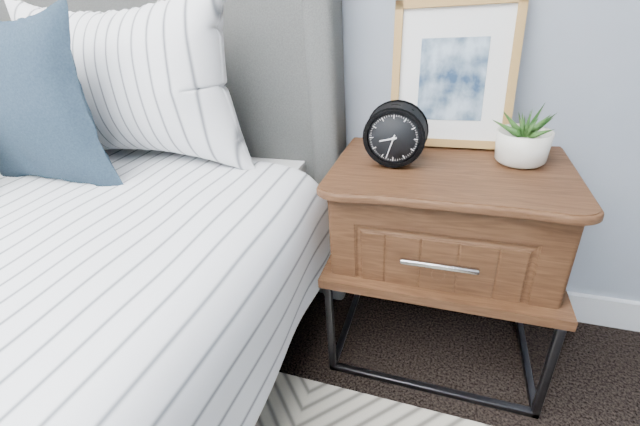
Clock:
8.33
